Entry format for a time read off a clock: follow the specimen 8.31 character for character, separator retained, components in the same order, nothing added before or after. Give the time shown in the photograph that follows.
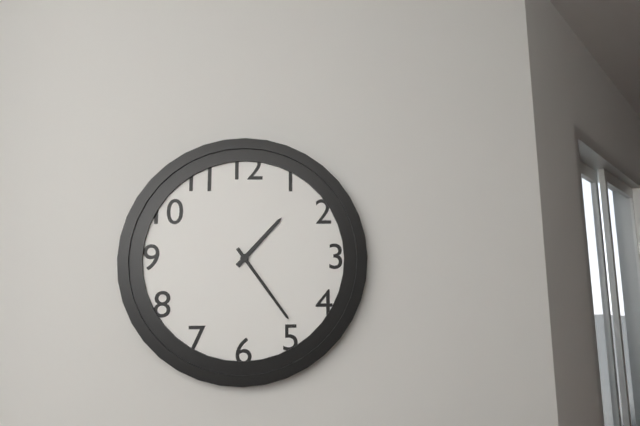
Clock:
1.24
